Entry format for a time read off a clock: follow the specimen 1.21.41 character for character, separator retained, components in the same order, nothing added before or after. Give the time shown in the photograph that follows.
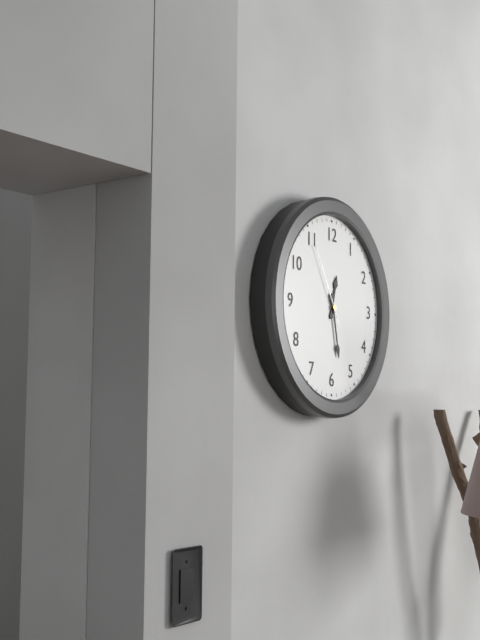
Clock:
12.28.55
